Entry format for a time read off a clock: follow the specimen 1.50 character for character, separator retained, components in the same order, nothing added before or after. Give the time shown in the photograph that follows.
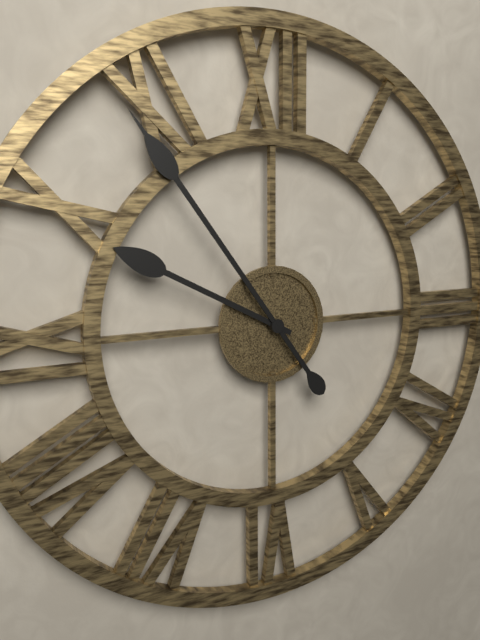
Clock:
9.54
